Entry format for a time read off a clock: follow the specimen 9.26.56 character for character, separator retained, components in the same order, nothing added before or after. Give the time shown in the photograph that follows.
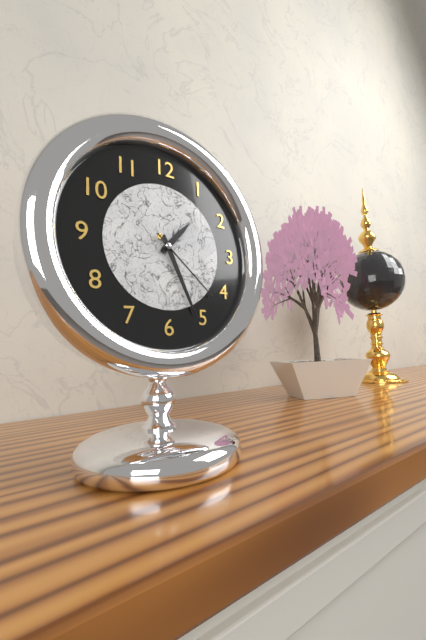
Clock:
1.26.22
